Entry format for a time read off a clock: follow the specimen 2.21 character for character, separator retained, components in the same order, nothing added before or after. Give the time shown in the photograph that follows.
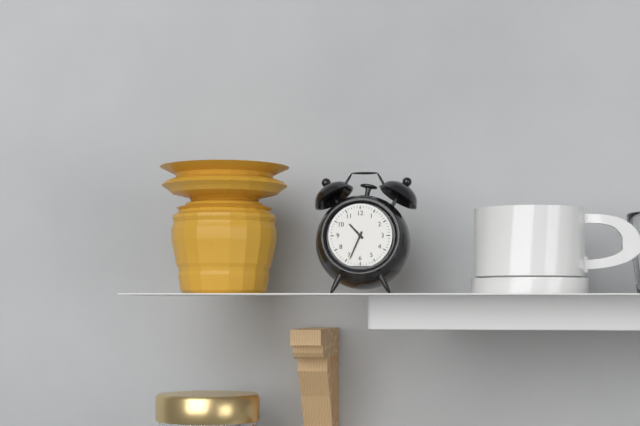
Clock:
10.34
